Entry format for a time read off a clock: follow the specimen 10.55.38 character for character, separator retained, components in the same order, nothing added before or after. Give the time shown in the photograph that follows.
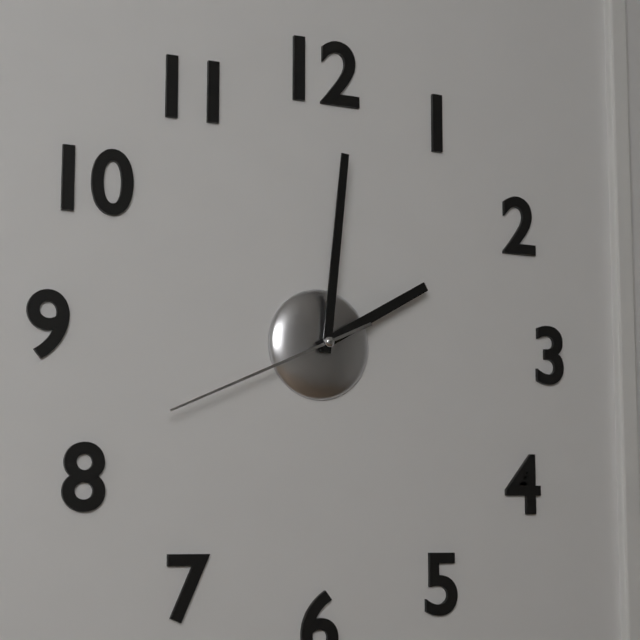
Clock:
2.01.41
